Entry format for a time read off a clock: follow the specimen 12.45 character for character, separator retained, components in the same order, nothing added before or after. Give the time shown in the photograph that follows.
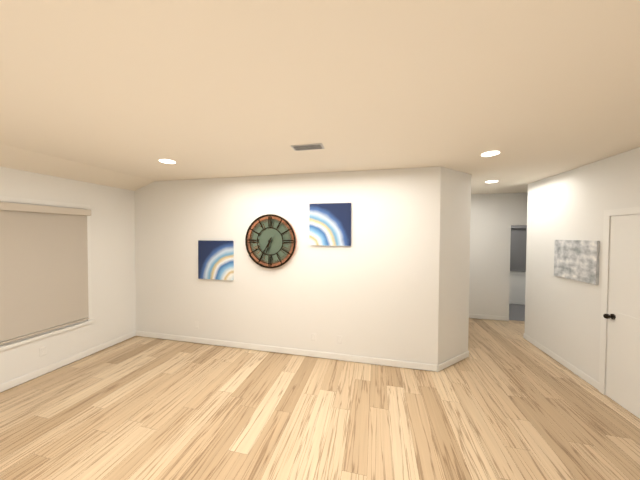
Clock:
6.35
